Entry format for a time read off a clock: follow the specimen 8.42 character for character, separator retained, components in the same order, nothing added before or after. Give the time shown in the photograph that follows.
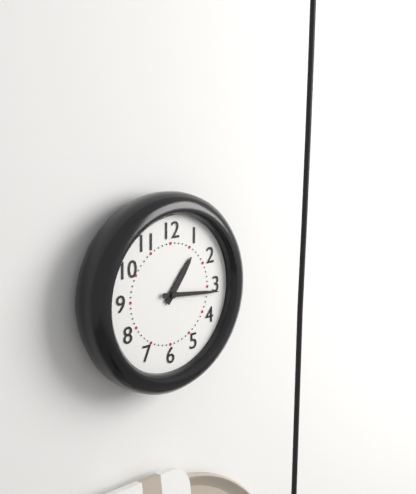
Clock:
1.16
